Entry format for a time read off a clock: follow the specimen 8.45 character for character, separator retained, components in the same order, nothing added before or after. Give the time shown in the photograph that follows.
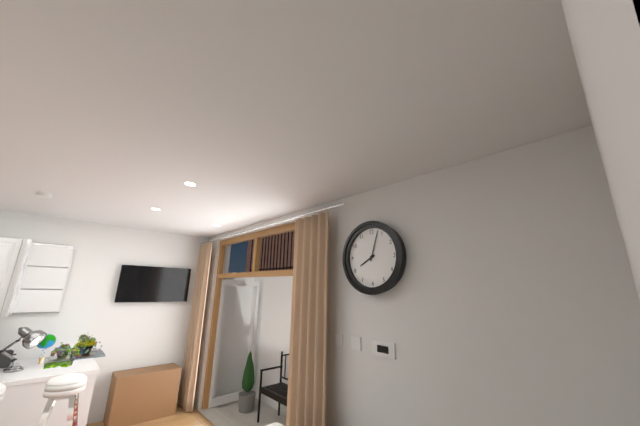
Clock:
8.03
